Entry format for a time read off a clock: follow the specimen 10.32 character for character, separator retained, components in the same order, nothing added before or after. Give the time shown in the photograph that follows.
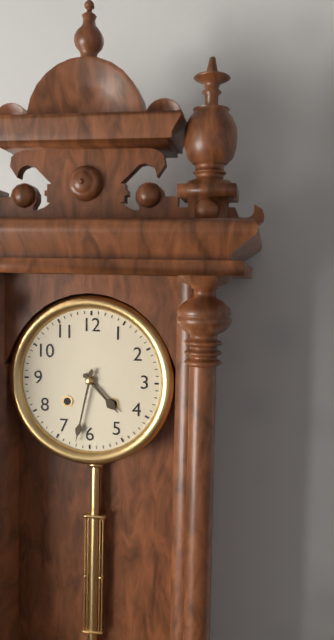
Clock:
4.32
